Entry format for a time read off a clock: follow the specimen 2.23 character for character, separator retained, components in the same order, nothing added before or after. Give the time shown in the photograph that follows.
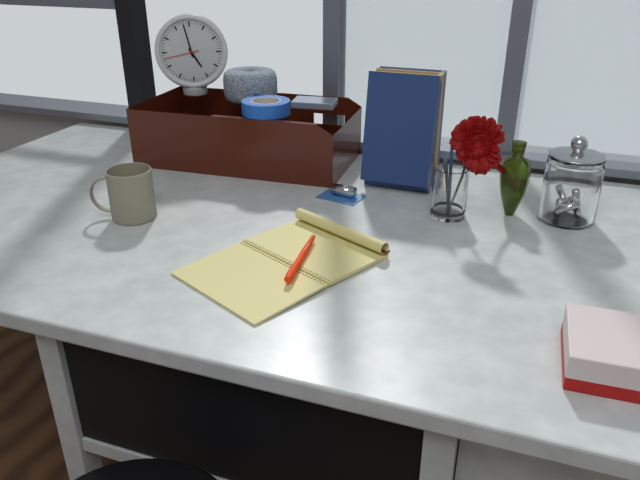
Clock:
4.58
